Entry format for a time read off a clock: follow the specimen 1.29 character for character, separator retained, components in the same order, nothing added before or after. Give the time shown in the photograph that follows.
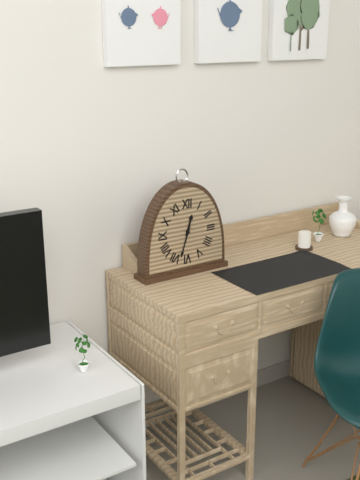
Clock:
12.33
